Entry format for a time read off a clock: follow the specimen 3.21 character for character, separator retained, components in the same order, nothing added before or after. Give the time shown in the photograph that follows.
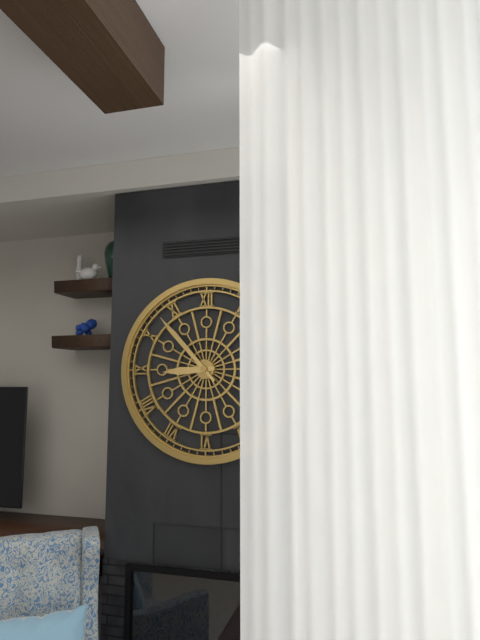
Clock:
8.53
